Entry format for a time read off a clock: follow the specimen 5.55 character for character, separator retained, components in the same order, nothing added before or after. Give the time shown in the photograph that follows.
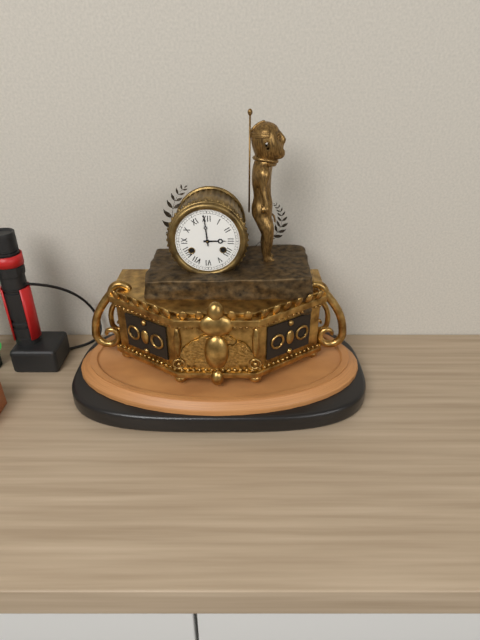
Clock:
2.59
